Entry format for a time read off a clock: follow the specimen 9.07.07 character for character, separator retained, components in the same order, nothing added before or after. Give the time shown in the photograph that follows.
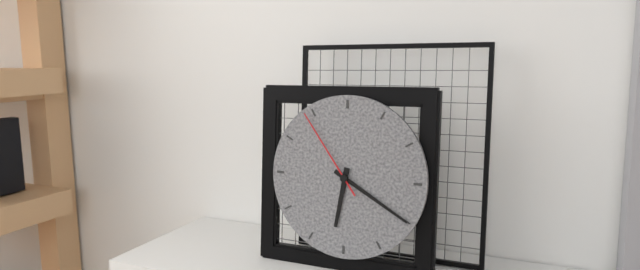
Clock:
6.20.54
